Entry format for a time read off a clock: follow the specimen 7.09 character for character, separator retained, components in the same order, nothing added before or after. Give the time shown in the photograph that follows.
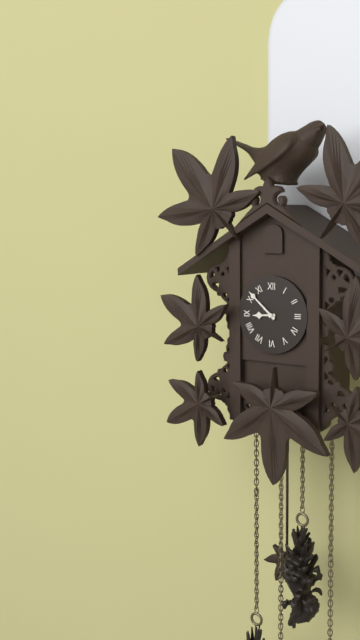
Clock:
8.52
